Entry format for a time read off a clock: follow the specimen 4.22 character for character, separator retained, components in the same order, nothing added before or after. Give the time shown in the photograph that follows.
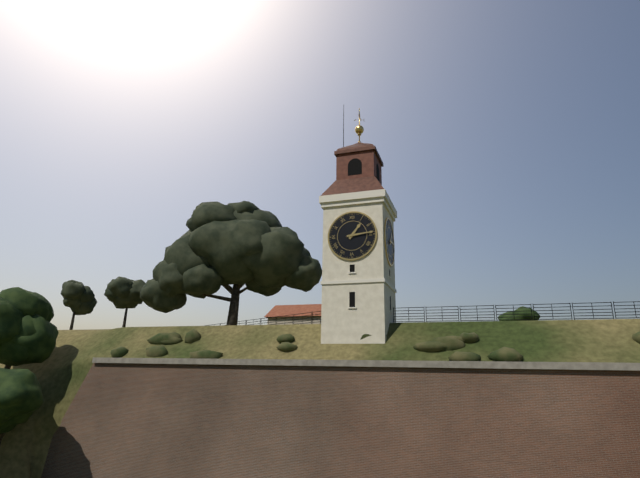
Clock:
1.14
